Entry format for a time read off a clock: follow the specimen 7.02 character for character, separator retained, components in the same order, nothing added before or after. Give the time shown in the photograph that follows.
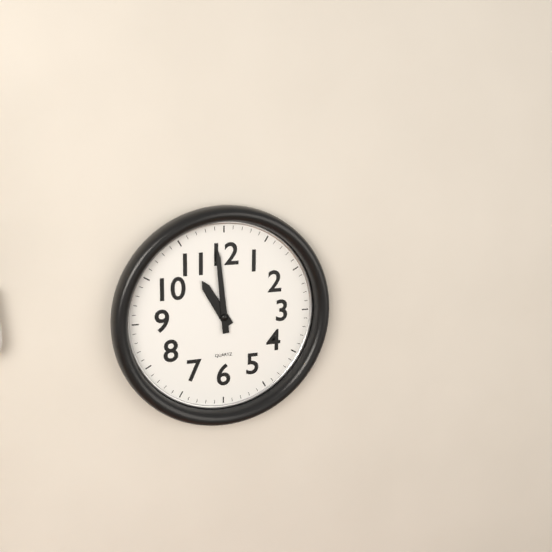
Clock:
10.59
